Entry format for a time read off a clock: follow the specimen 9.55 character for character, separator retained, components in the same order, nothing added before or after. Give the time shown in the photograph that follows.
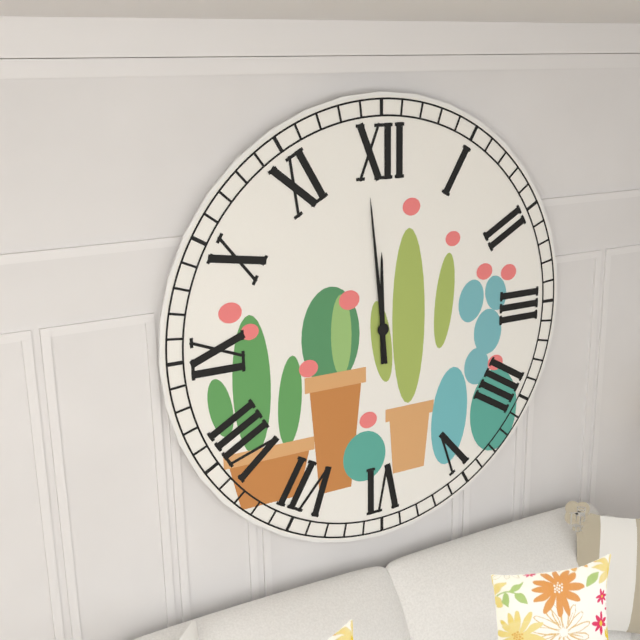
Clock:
11.59
